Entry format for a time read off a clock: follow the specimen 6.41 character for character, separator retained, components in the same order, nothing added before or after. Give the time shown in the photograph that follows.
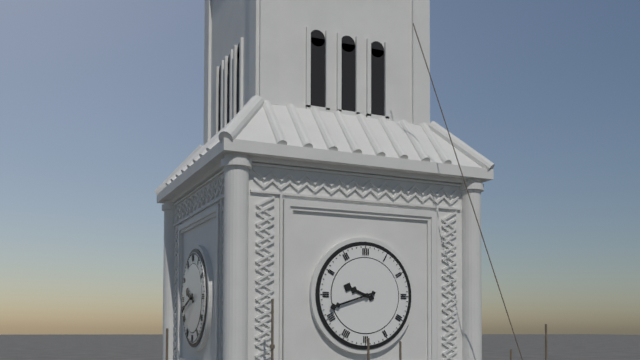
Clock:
9.42
